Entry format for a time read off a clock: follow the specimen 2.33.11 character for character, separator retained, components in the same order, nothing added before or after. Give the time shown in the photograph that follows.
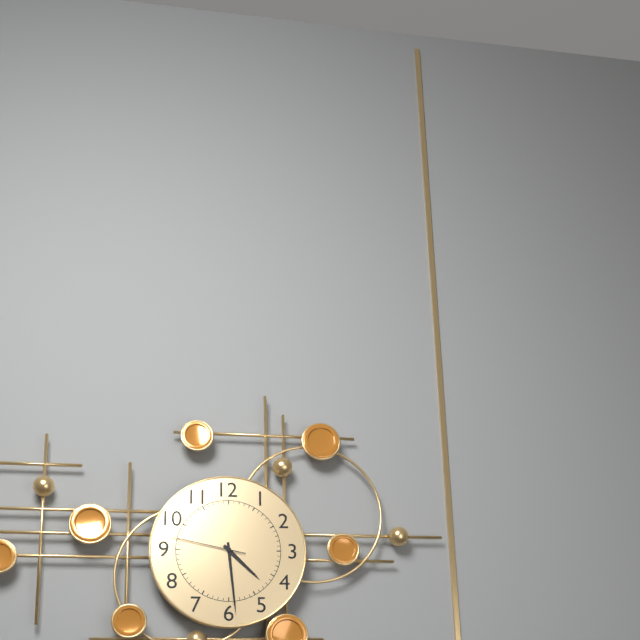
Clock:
4.29.47
